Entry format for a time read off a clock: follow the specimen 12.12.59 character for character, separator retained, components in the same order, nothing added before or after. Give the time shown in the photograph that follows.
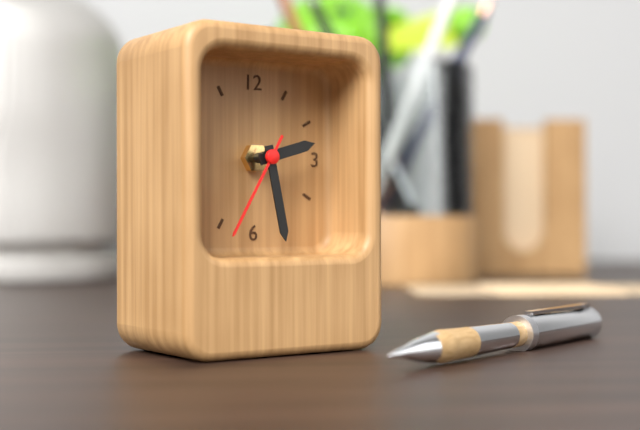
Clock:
2.28.35
